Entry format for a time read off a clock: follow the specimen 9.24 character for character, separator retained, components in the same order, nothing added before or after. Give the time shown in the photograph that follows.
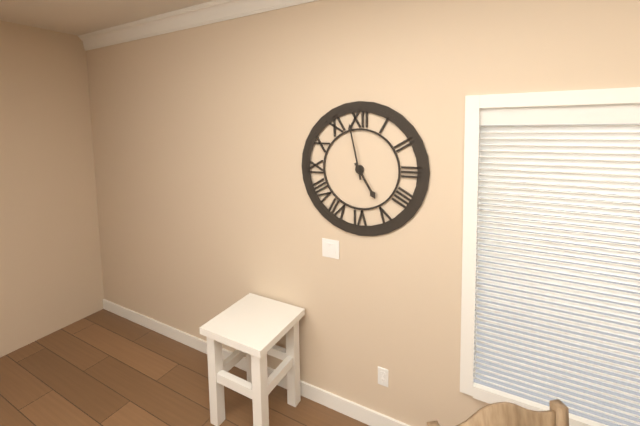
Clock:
4.58
